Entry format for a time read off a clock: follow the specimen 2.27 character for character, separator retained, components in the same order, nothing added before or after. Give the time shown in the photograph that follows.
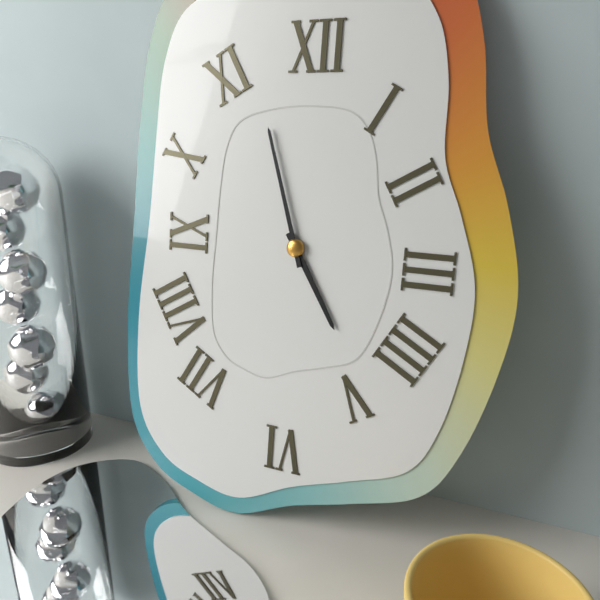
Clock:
4.57
